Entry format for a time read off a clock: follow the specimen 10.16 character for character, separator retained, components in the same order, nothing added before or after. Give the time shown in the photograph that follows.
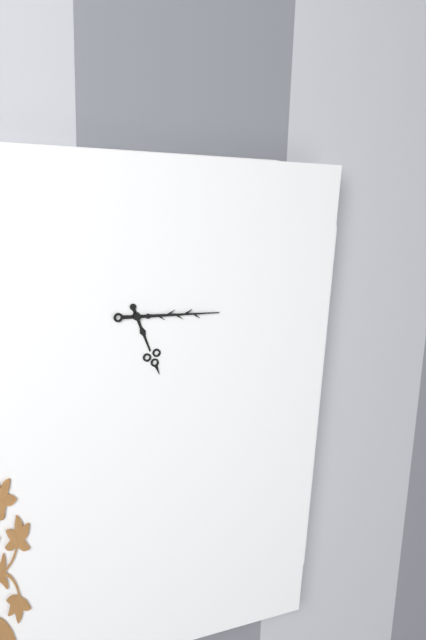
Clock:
5.15
